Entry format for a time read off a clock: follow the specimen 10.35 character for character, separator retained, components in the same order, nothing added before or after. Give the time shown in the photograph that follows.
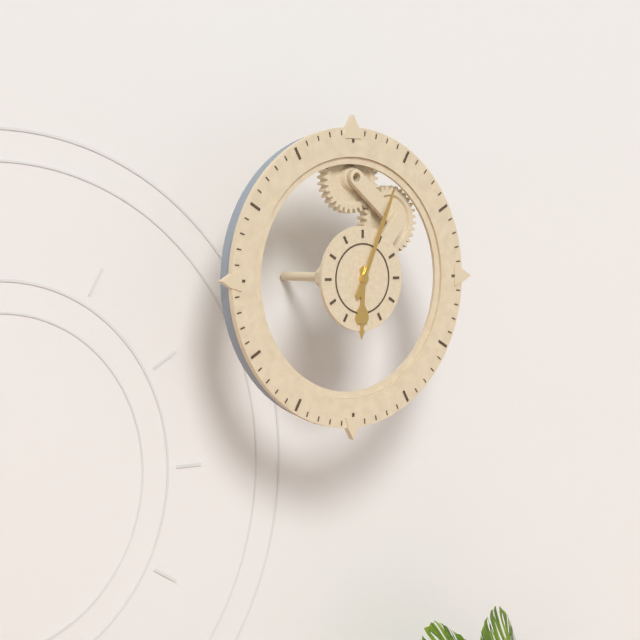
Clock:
6.04
